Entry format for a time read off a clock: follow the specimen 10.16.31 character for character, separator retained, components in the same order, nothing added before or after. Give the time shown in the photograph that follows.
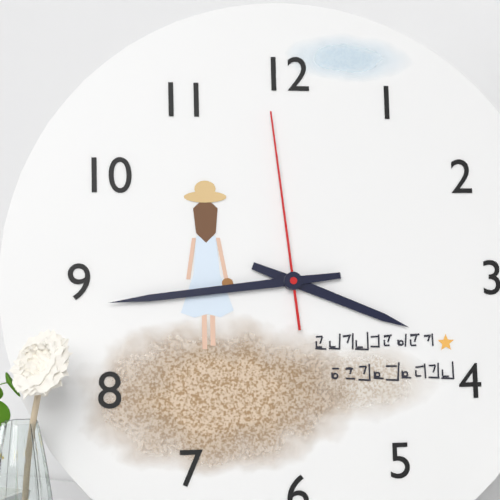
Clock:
3.44.59
